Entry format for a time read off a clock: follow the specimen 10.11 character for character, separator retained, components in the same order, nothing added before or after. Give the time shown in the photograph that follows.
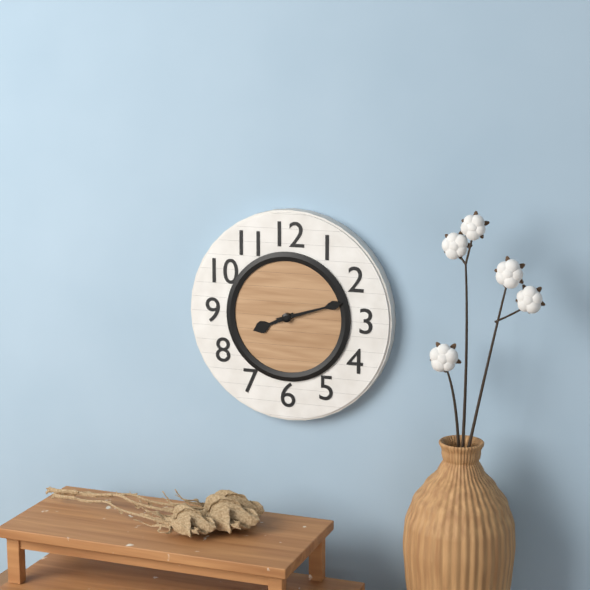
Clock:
8.12
